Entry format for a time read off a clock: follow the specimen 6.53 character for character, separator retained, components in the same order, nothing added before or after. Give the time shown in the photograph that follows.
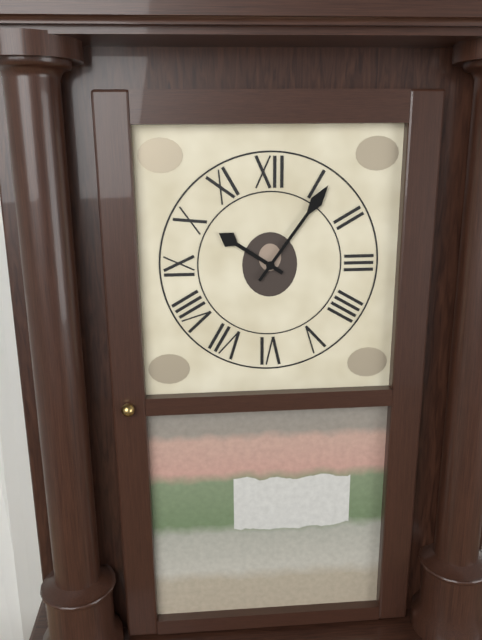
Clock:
10.06
